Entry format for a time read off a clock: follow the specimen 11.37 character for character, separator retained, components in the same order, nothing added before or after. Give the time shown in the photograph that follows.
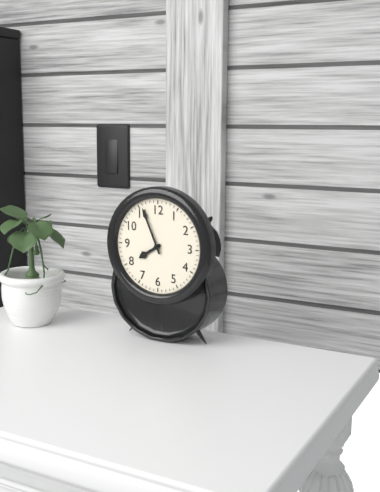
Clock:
7.56
